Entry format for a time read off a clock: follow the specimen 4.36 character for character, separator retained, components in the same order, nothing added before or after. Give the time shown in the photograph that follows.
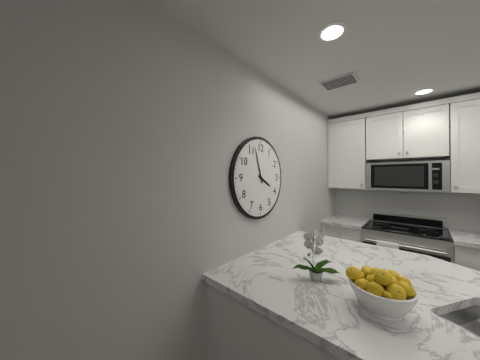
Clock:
3.57
